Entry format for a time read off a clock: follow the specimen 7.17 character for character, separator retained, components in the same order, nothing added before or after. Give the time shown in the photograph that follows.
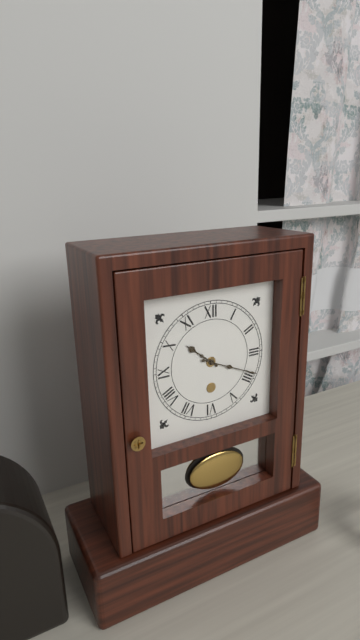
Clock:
10.19
